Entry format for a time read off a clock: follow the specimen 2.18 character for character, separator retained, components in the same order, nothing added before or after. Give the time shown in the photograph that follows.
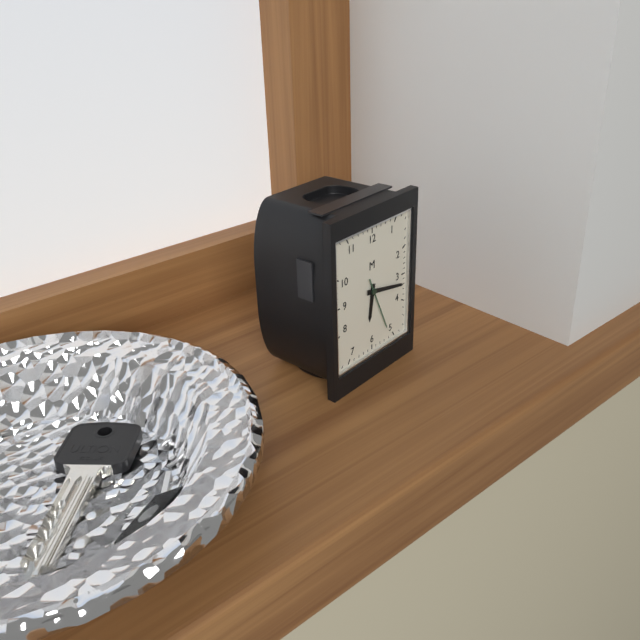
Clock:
6.17
